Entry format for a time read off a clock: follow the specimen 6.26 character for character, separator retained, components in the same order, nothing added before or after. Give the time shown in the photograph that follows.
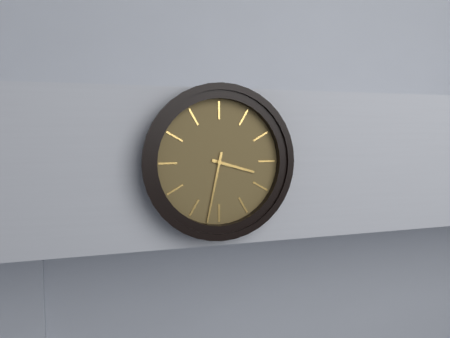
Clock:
3.32
